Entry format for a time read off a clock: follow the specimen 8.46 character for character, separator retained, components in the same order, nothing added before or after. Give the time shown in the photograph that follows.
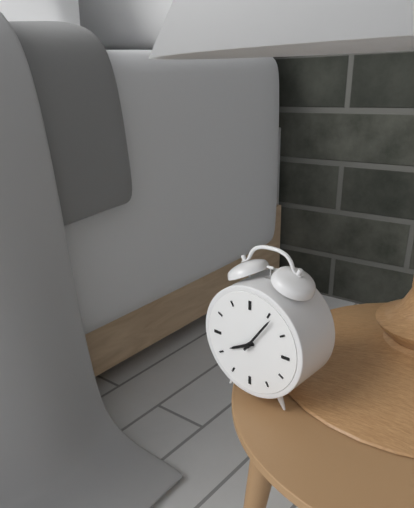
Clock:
8.06
